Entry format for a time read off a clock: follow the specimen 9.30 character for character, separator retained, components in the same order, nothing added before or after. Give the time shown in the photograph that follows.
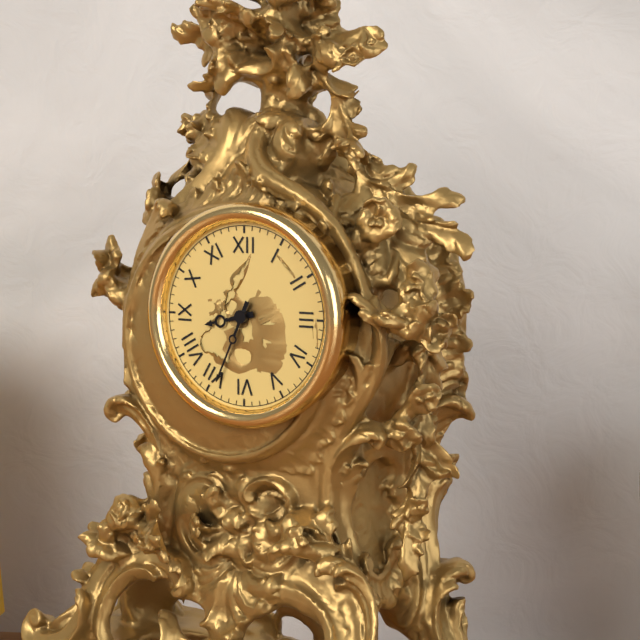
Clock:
8.34
